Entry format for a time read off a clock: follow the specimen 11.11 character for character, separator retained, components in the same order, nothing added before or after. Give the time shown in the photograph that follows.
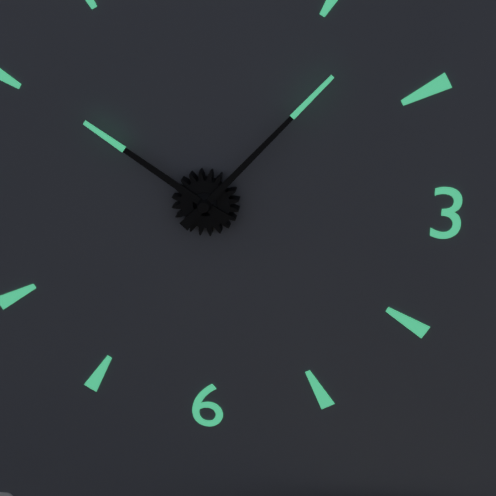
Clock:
10.07
